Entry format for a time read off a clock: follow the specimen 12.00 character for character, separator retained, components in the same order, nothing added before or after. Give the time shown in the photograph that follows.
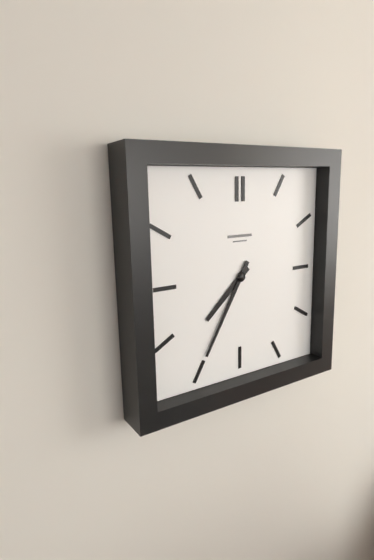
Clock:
7.35
